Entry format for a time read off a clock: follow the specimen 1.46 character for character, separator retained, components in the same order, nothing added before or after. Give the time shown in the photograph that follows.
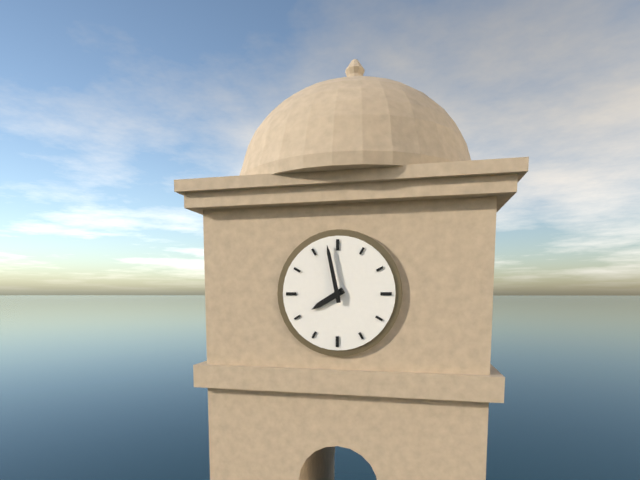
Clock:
7.58
